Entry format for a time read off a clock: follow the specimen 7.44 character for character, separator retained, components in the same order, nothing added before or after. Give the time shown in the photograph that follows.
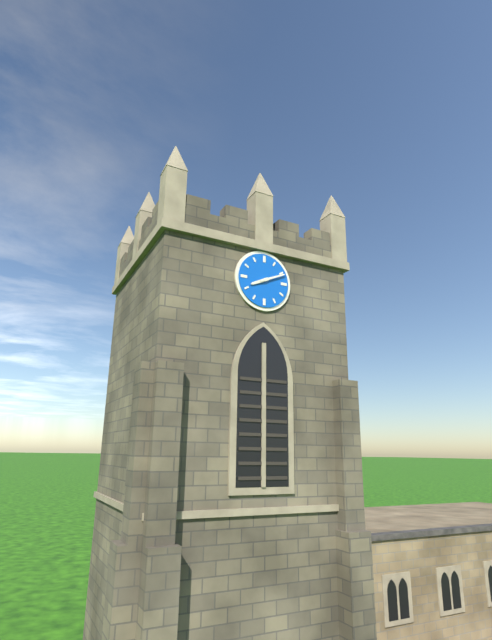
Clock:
8.11
